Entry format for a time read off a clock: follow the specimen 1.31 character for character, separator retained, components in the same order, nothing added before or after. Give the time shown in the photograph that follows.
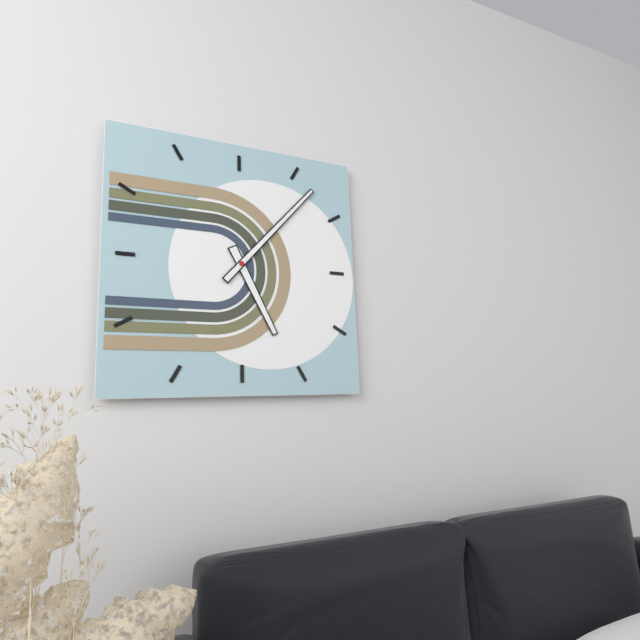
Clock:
5.07
